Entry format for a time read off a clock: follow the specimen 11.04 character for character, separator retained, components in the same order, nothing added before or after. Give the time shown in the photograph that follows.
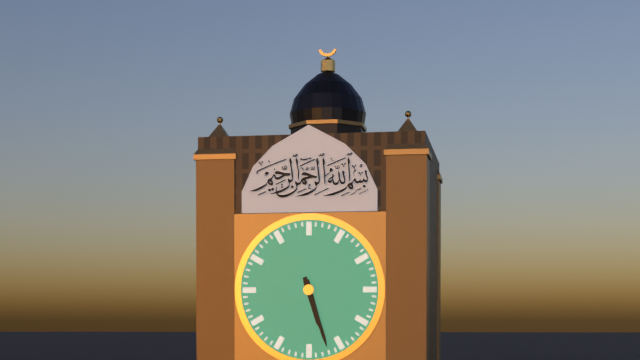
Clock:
5.27
